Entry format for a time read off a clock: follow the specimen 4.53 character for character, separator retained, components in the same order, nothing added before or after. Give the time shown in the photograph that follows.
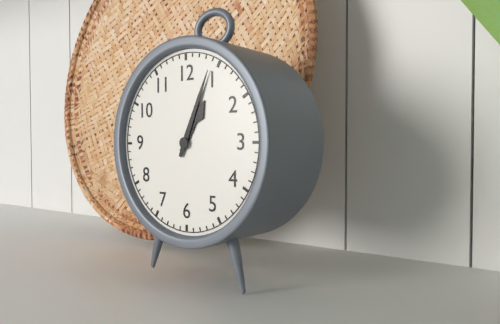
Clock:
1.04
